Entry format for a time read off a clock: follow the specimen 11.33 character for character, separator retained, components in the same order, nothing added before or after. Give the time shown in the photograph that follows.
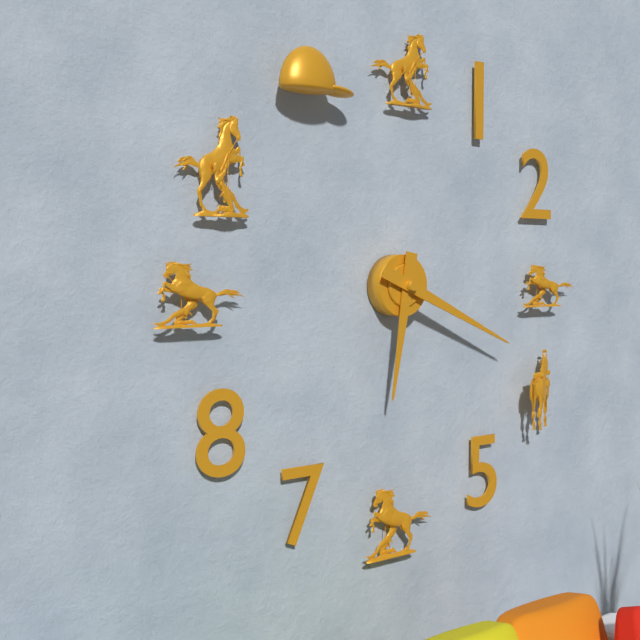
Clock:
6.19
